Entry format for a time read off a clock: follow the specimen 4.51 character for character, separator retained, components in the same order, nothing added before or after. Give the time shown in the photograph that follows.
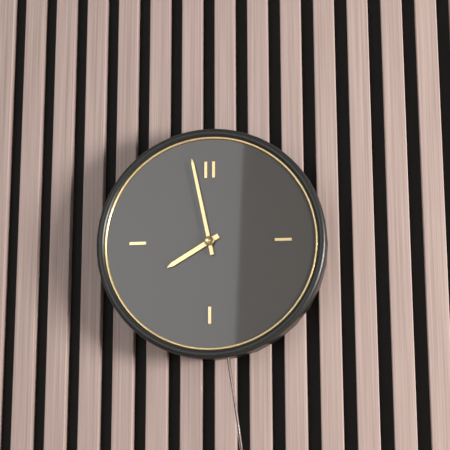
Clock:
7.58
